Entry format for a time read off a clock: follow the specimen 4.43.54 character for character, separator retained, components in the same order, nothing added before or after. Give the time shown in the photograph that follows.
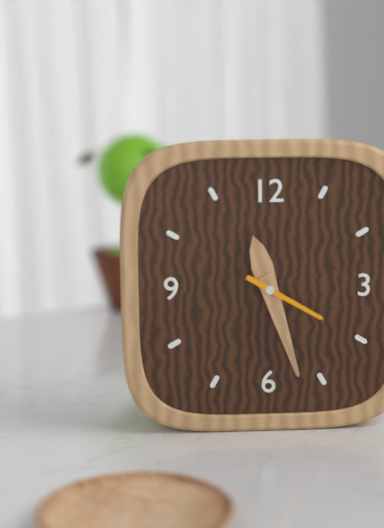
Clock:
11.27.20
